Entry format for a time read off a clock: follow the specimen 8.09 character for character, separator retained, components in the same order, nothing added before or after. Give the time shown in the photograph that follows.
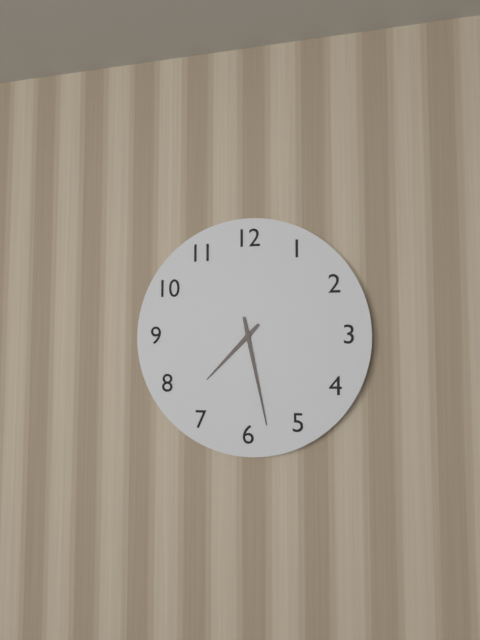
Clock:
7.28
